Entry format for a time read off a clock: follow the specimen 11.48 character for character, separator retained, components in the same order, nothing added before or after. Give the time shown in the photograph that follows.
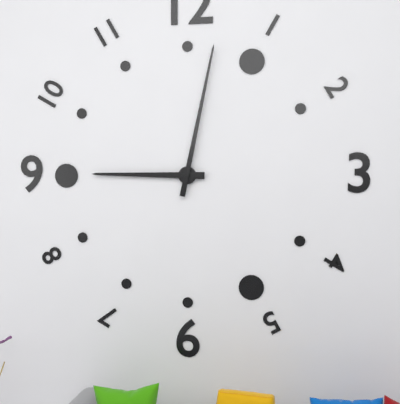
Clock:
9.02
